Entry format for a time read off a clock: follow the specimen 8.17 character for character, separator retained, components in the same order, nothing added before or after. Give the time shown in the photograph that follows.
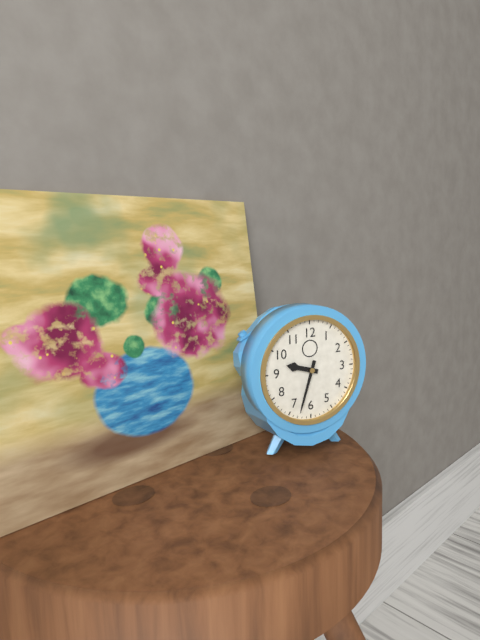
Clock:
9.33
